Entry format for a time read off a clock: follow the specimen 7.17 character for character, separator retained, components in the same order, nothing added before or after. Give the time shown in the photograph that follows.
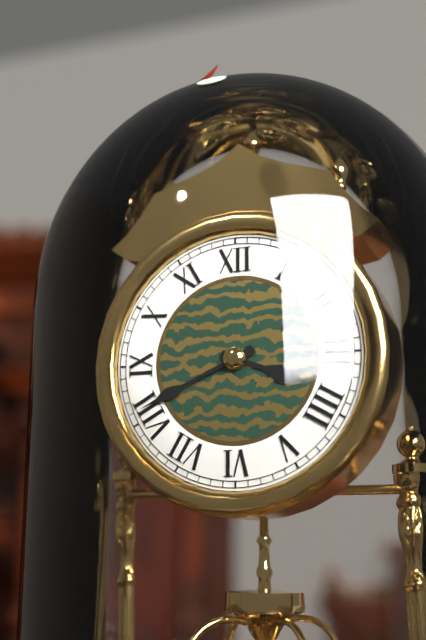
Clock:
3.41
